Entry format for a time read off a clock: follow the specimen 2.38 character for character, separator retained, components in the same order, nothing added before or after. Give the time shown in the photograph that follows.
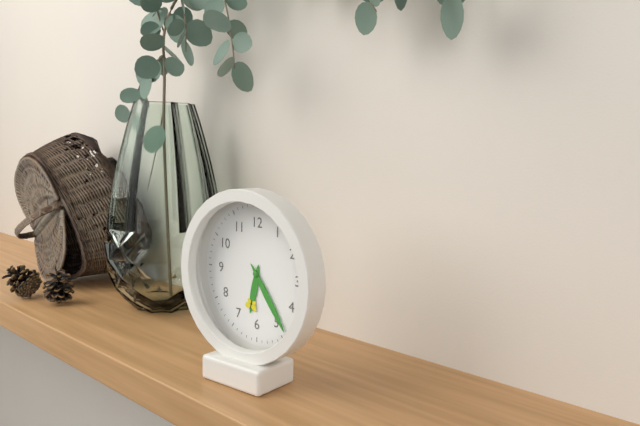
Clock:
6.24
